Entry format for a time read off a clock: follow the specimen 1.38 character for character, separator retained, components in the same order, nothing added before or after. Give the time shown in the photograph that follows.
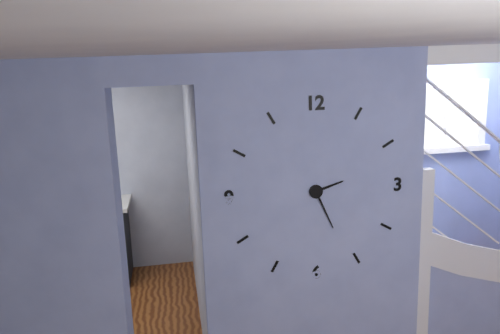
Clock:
2.26
